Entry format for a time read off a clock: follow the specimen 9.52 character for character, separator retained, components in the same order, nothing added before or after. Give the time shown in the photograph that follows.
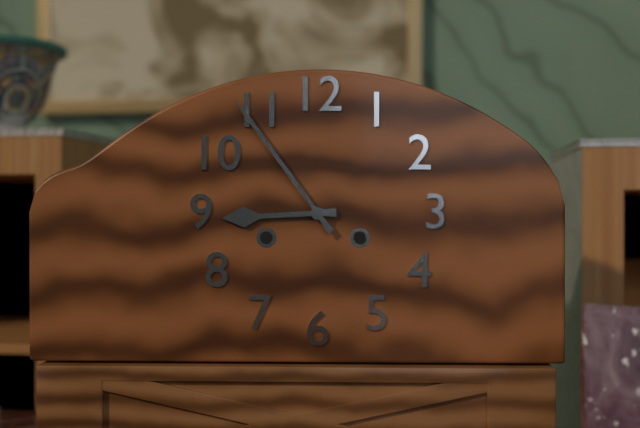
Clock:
8.54
